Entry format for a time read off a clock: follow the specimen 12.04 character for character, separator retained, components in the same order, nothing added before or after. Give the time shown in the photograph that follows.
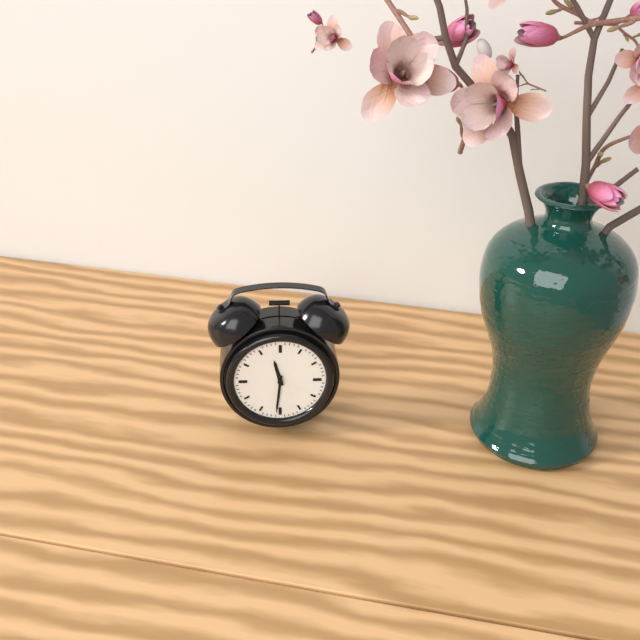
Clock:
11.31
